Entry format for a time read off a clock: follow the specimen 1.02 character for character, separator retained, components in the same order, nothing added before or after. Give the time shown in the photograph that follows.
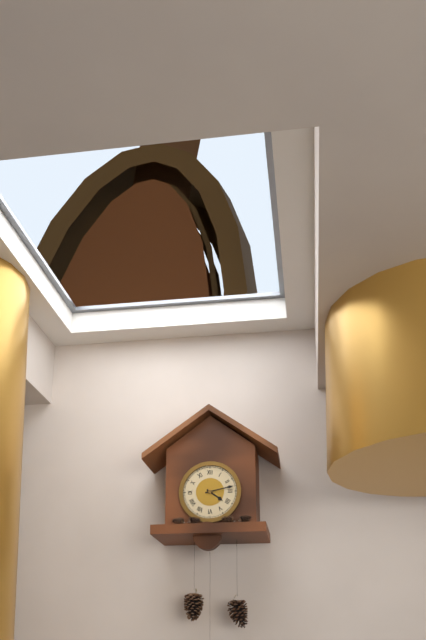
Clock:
4.13
